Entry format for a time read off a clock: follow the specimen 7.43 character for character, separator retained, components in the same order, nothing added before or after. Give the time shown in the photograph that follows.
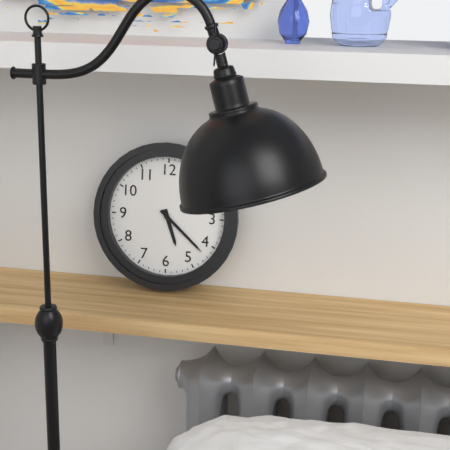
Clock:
5.22
